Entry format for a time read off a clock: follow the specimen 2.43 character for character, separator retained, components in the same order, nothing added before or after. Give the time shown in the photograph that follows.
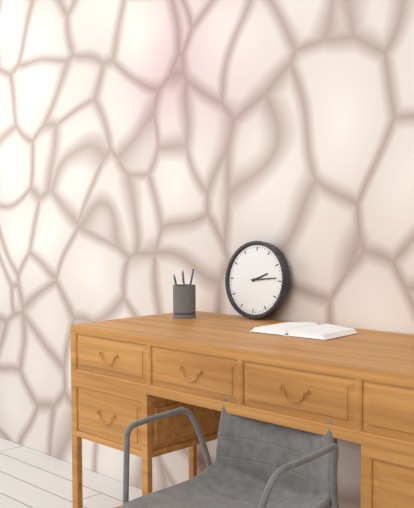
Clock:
2.14
